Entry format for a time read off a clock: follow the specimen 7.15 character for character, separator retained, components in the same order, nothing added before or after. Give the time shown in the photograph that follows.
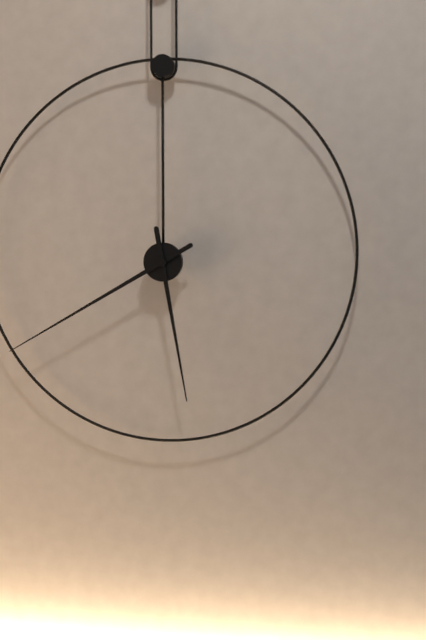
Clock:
5.40
